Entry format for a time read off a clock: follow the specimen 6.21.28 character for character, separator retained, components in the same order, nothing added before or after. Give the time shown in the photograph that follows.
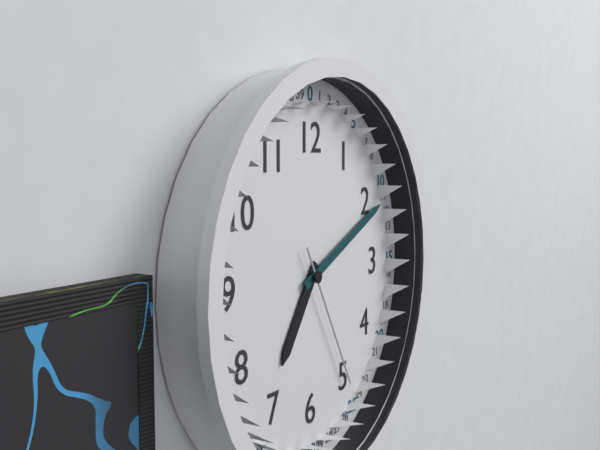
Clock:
7.11.25
